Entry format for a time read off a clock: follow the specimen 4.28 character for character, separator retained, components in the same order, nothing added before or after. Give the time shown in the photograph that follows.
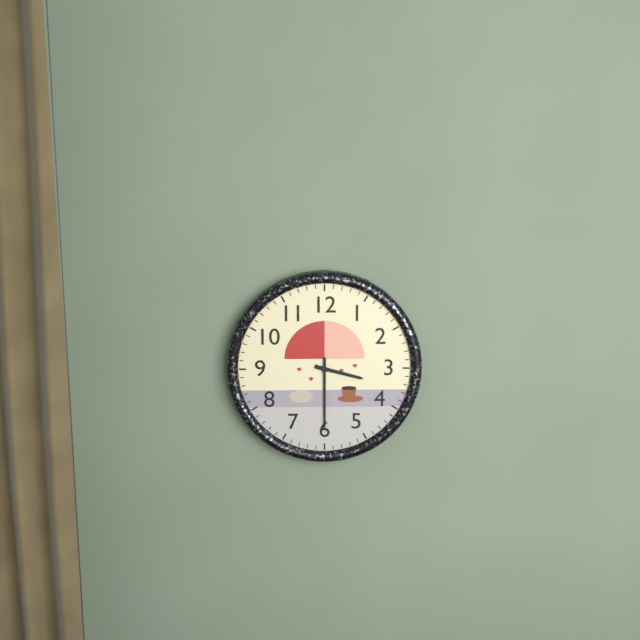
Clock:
3.30
